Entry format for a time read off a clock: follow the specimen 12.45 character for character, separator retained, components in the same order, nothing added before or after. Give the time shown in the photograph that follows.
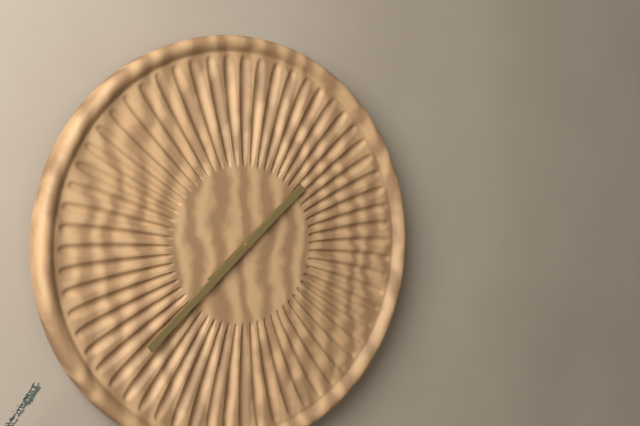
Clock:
1.38
